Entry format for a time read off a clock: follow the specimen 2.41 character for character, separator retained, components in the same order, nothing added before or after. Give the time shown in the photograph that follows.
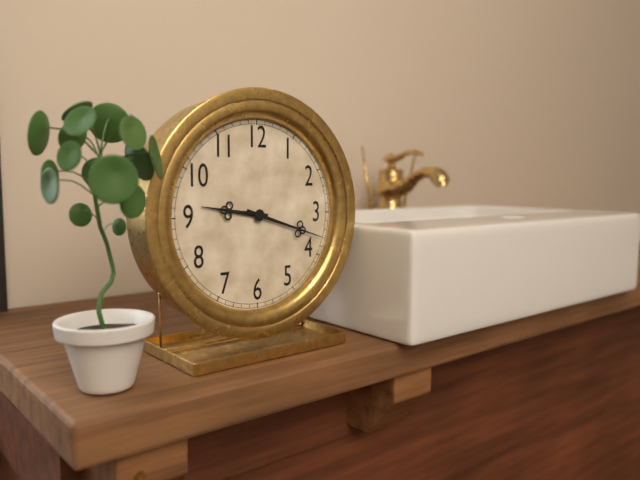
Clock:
9.18
